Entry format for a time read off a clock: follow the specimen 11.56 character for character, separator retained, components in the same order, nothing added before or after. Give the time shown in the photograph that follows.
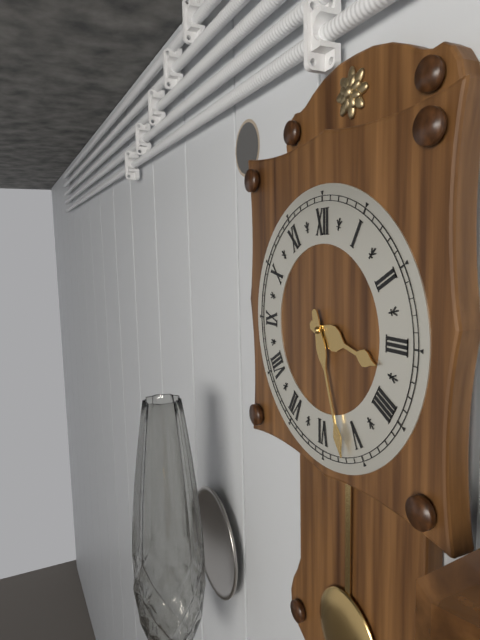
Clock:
3.27
